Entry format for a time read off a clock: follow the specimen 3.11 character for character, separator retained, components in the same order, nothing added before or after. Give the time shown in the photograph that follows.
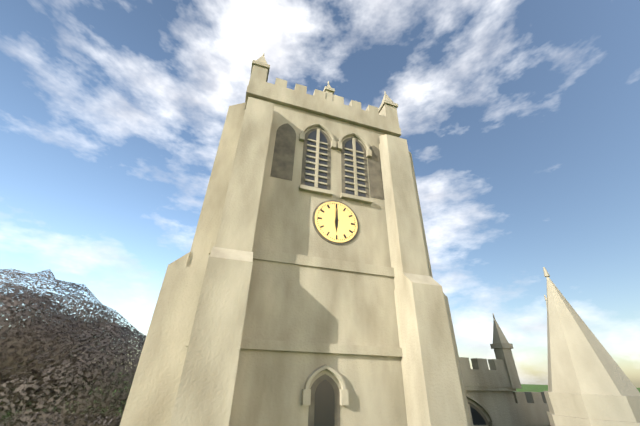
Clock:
6.00
